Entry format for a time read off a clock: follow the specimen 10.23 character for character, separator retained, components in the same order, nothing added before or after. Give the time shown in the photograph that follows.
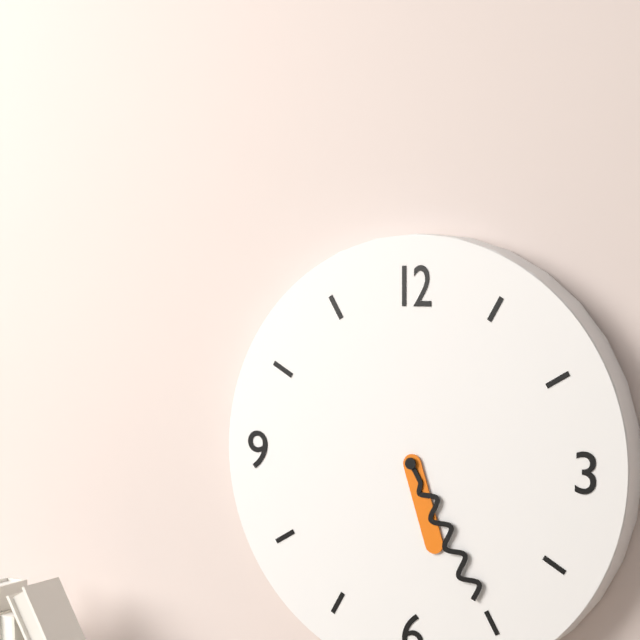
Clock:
5.25
